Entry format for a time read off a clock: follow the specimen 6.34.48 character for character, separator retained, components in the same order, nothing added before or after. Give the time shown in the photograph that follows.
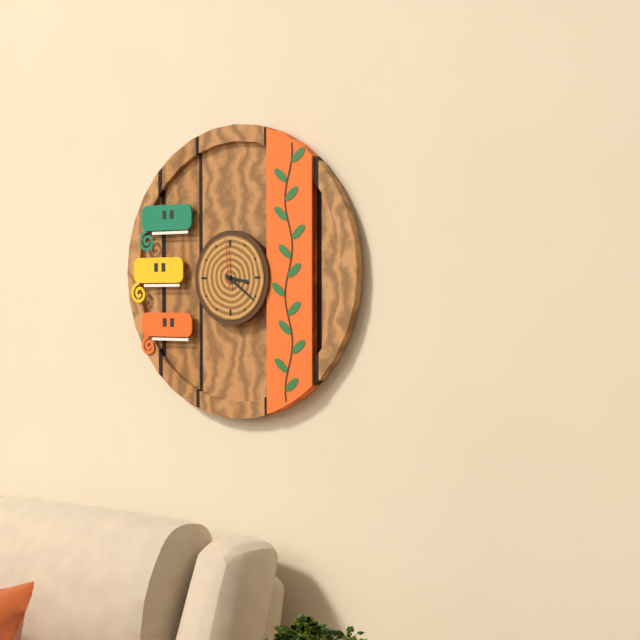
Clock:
3.21.59
